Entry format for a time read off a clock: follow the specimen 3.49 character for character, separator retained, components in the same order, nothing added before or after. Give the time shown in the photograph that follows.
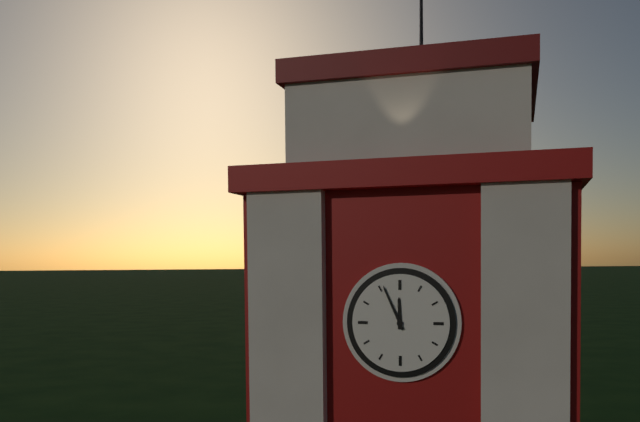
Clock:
11.56
